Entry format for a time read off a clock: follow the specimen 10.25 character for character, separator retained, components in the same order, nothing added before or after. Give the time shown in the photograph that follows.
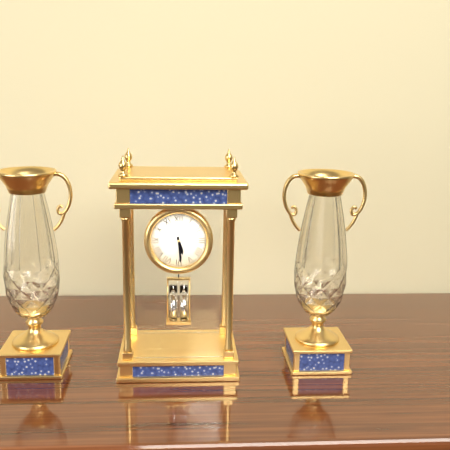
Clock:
5.29
